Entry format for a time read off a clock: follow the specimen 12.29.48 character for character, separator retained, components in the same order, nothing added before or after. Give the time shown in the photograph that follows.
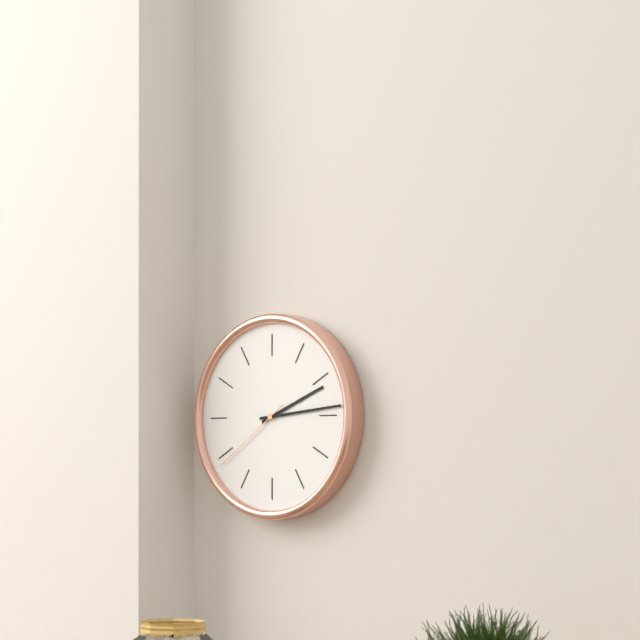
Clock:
2.14.39
